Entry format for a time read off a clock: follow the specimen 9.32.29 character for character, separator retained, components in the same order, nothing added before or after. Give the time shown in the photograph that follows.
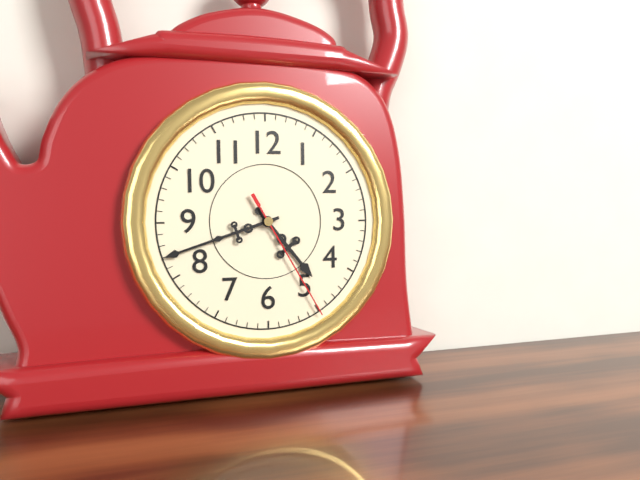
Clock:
4.42.25
